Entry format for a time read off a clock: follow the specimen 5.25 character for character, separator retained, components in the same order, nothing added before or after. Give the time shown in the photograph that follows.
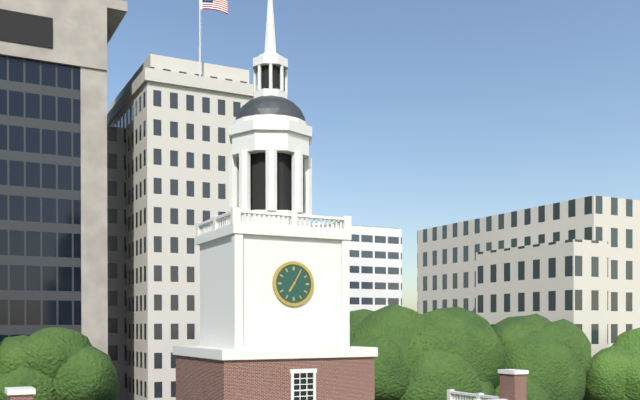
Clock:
7.05
